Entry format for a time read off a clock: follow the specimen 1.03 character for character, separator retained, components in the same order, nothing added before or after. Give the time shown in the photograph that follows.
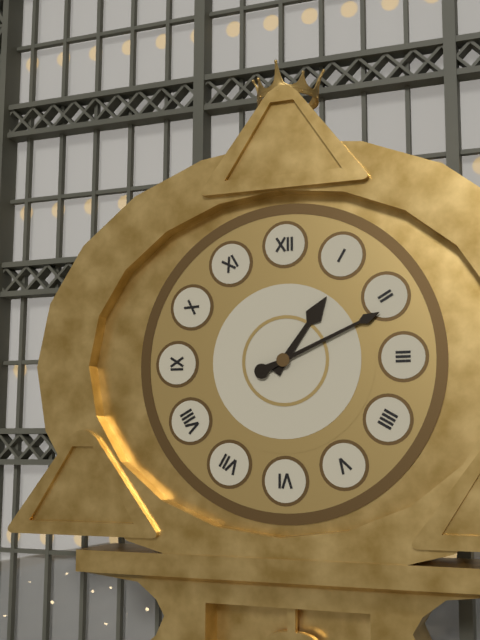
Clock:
1.11
